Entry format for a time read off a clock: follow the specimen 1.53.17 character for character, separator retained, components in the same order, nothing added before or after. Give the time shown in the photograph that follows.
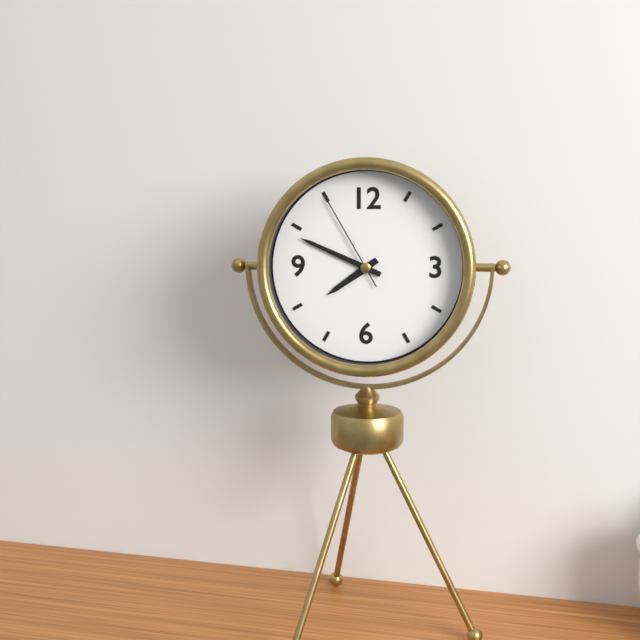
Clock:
7.49.55
